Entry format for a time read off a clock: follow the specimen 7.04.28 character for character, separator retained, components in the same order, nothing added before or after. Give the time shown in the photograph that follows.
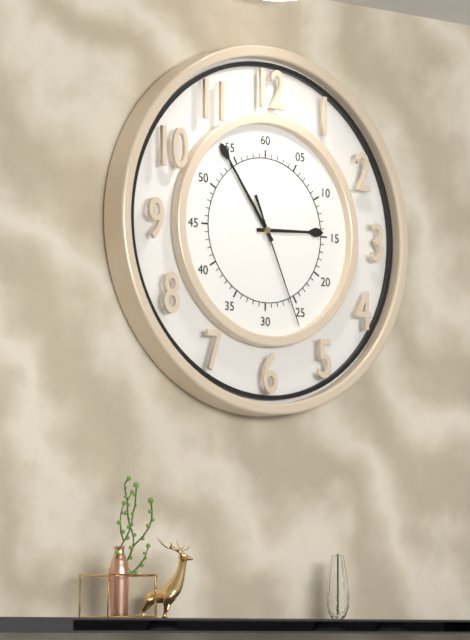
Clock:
2.54.26
